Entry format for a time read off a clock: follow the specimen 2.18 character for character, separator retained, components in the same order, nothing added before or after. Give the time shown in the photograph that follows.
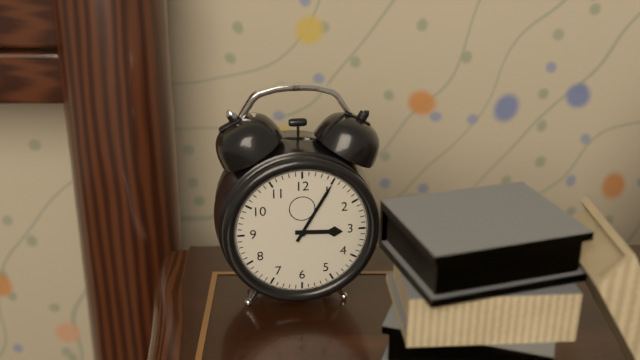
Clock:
3.05
